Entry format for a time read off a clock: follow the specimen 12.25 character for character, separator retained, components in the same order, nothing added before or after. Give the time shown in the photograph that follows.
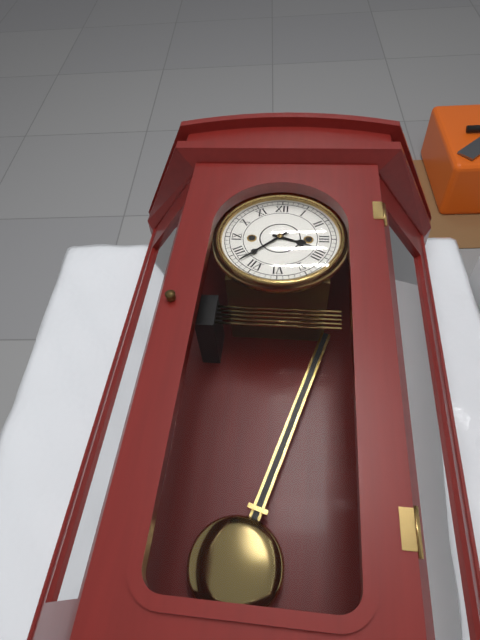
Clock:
3.38
